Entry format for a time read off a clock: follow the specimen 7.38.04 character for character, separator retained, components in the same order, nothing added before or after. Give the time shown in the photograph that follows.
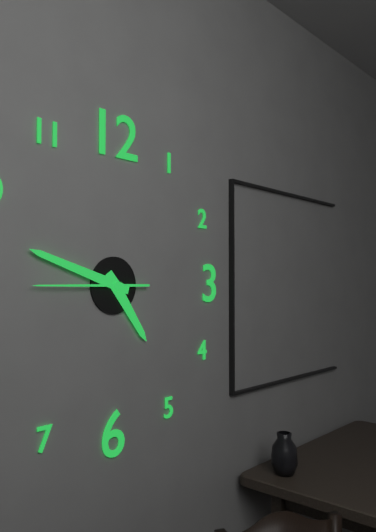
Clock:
4.48.45
